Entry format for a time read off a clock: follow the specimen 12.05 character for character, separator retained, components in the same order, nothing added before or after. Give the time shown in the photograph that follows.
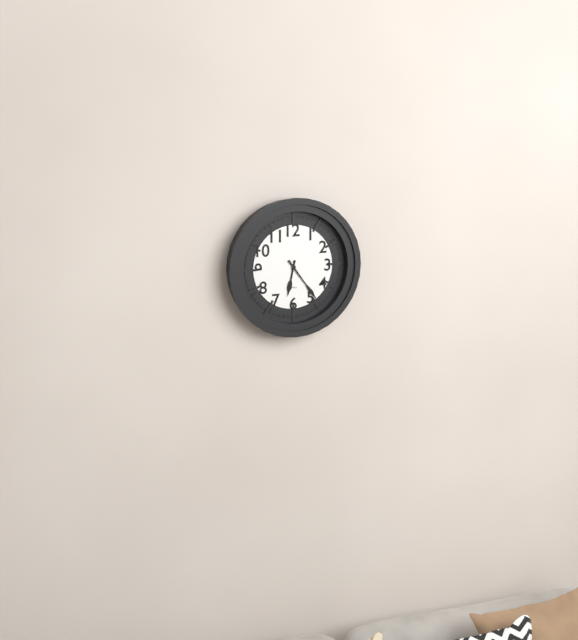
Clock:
6.24
